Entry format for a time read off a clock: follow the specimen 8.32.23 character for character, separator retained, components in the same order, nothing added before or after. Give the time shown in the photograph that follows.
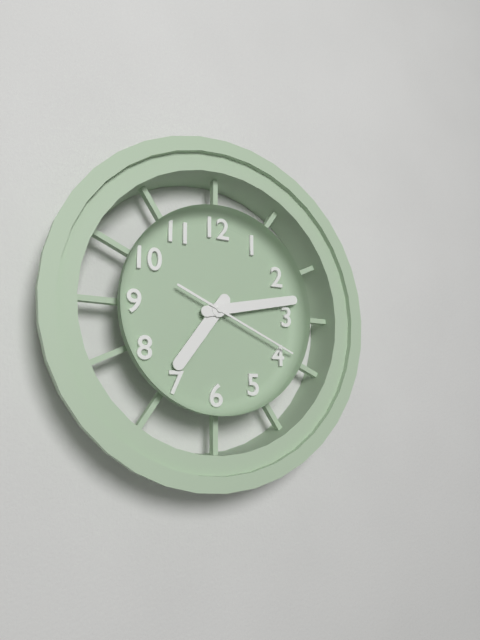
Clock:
7.13.19
